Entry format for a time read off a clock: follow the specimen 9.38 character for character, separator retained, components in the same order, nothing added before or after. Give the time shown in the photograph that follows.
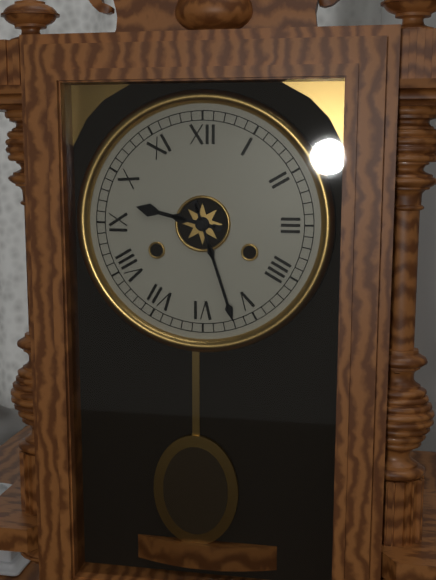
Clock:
9.27
